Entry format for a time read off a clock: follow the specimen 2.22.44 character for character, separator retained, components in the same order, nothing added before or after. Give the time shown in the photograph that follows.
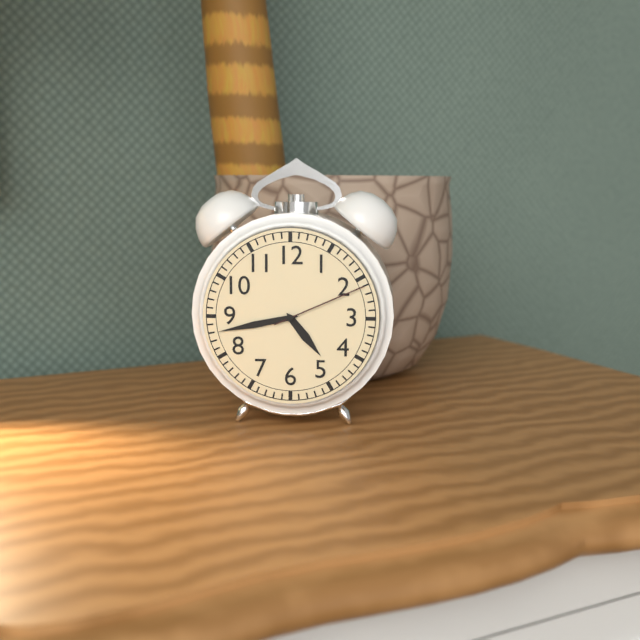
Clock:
4.43.11
